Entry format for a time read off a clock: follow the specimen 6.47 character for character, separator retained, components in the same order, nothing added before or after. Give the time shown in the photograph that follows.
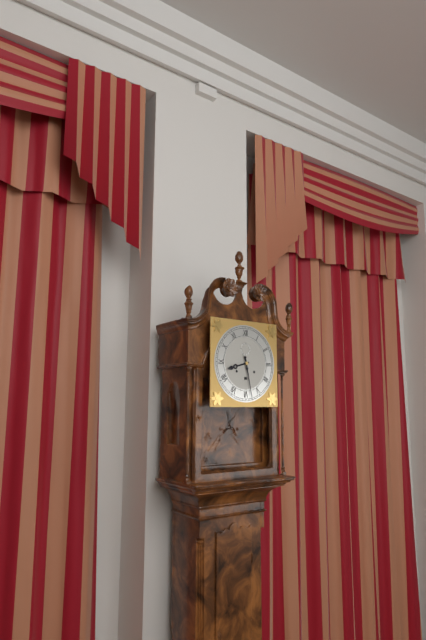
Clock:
8.28
